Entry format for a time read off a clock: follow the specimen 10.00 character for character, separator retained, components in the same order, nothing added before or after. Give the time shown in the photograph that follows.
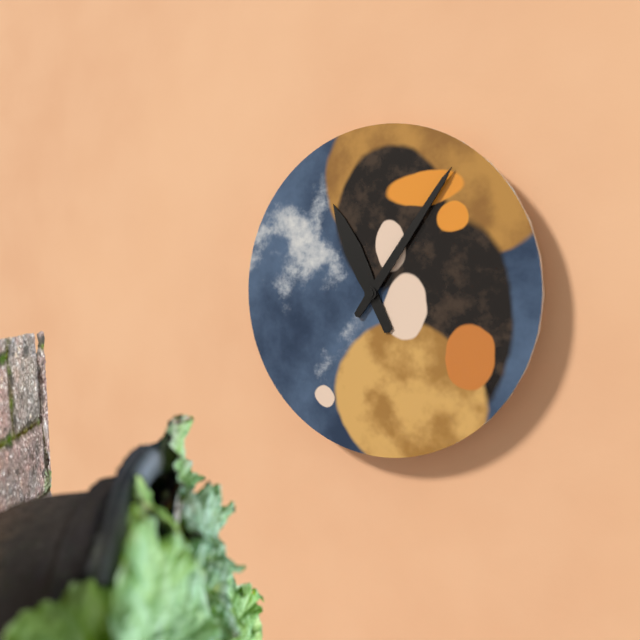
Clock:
11.06
